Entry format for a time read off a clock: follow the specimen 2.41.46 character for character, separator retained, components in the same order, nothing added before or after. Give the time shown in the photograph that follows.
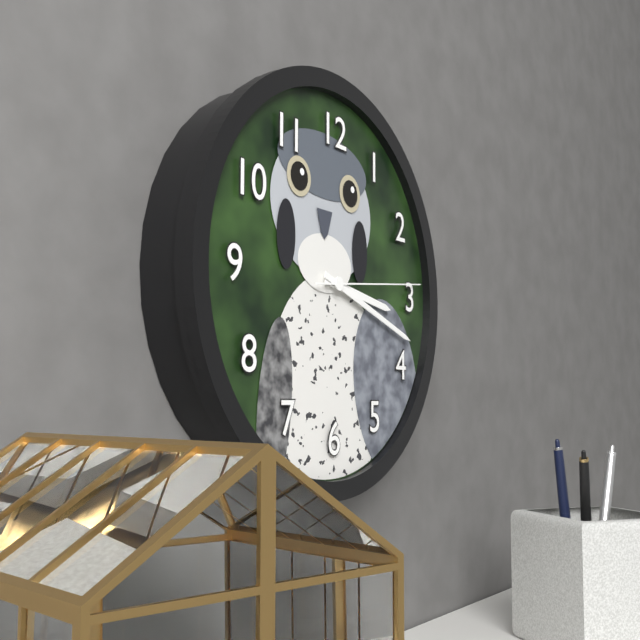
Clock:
3.18.14
